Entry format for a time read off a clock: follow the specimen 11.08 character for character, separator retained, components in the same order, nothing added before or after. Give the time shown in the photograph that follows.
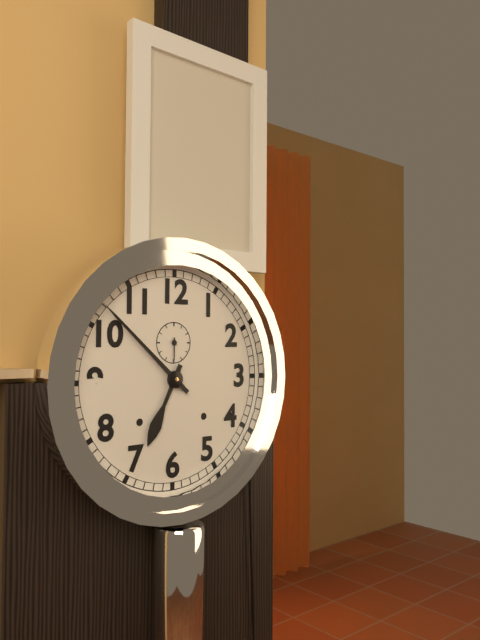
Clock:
6.52
